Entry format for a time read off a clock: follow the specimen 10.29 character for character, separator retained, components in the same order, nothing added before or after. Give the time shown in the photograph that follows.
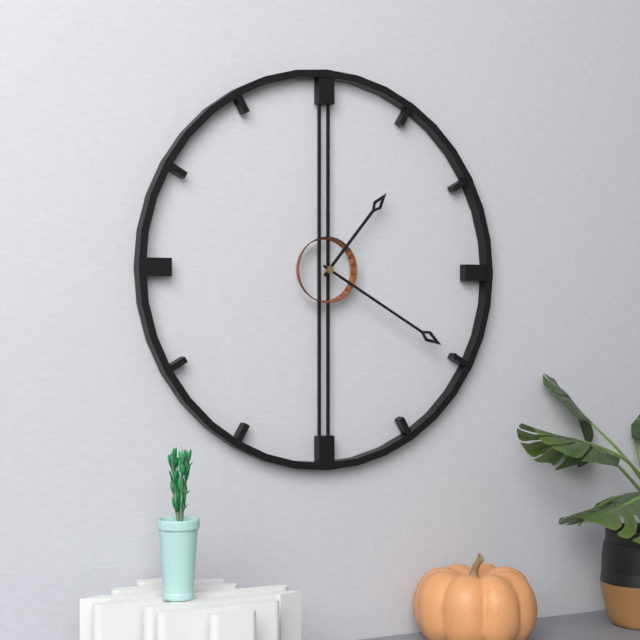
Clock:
1.20
